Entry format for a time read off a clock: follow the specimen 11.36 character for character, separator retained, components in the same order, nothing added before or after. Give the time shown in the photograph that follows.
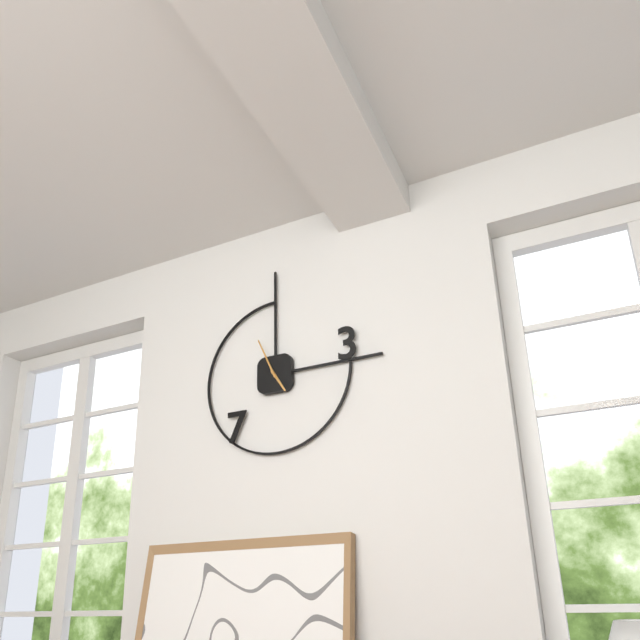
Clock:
4.56
